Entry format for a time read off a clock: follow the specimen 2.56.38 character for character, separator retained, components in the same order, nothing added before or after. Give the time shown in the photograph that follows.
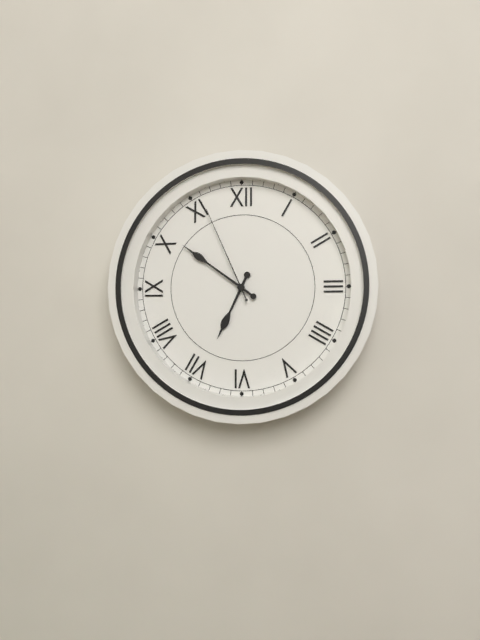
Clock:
6.51.56
